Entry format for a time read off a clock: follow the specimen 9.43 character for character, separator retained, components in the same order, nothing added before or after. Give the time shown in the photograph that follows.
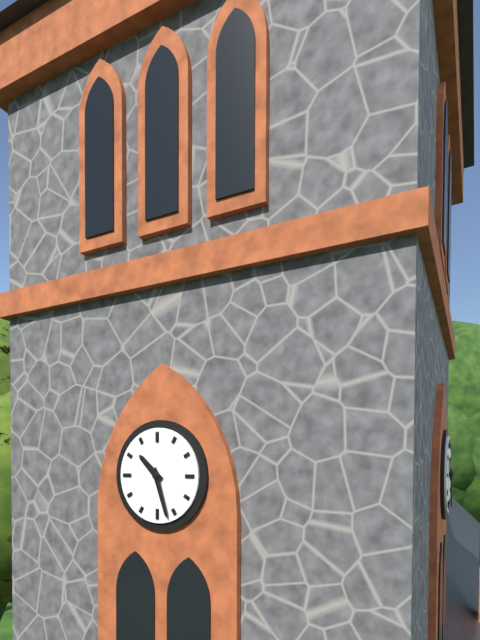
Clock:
10.27
